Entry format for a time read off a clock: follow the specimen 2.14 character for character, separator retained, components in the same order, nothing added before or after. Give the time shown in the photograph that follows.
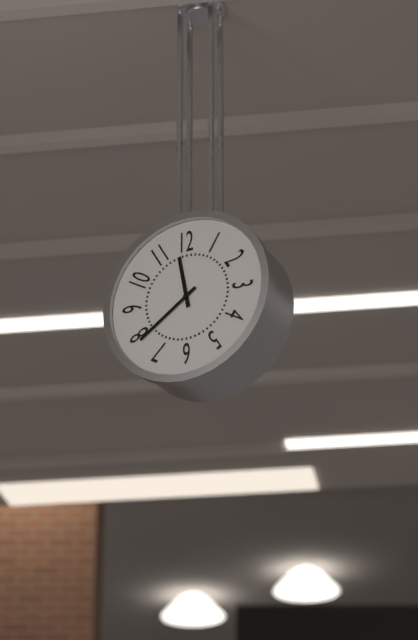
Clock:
11.39
